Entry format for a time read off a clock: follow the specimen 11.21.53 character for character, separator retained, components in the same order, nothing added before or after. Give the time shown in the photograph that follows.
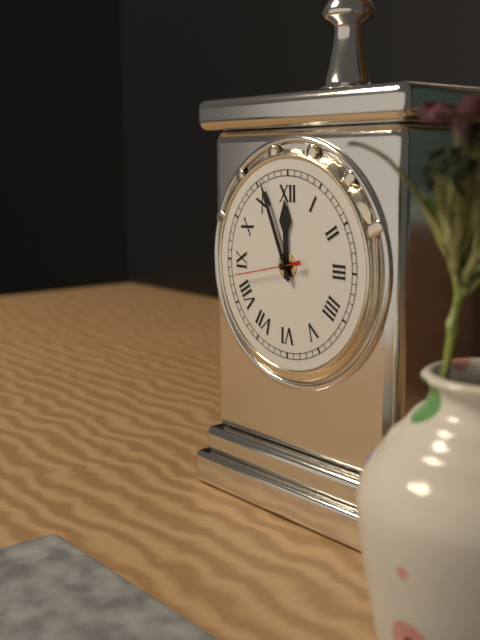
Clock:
11.56.43
